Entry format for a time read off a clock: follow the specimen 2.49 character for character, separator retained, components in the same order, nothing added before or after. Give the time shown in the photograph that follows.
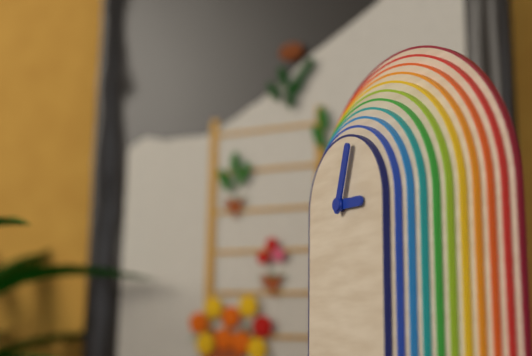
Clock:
3.03
